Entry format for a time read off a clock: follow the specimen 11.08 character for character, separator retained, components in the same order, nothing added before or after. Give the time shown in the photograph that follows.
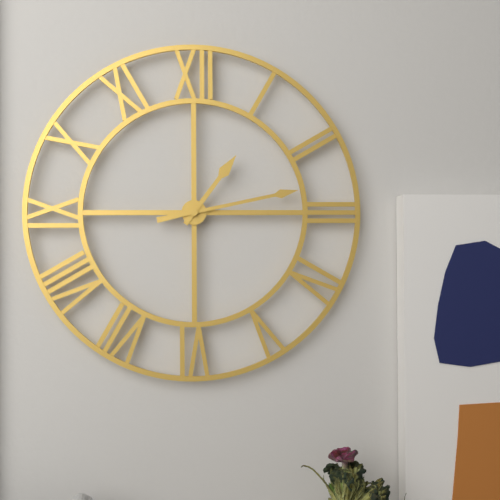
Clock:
1.13
